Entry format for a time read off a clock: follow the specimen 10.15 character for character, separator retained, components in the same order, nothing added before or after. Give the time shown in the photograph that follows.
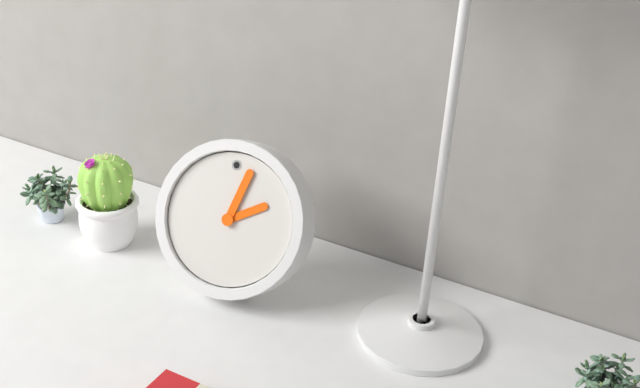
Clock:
2.03
